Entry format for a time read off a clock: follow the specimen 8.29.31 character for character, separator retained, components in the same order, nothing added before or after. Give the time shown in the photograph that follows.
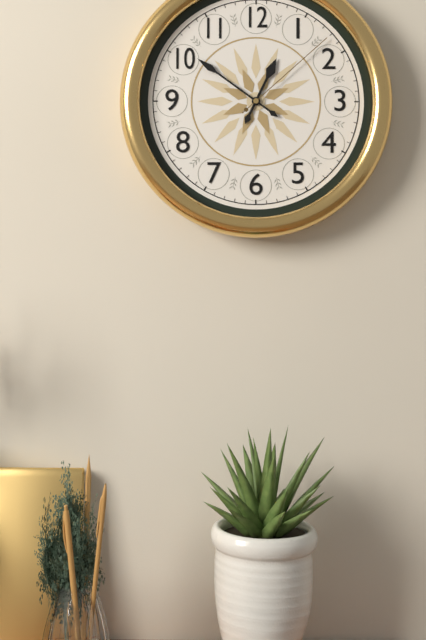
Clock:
12.51.08
